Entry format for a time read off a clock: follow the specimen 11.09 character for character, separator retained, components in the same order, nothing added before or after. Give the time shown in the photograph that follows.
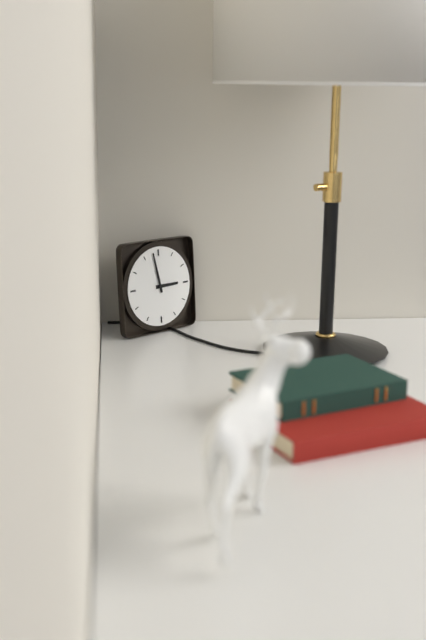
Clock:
2.58
